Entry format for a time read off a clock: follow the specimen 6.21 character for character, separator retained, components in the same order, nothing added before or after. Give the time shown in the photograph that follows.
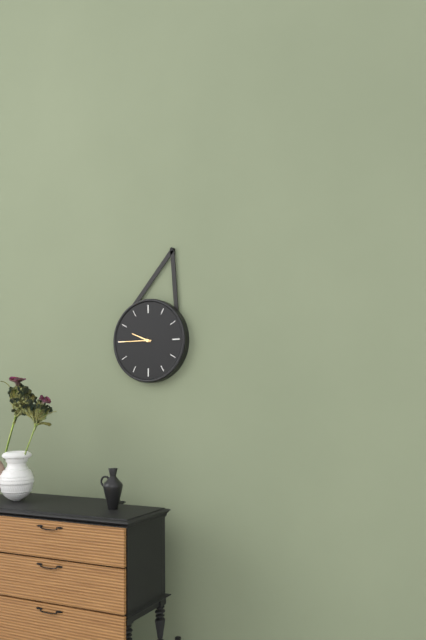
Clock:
9.45
